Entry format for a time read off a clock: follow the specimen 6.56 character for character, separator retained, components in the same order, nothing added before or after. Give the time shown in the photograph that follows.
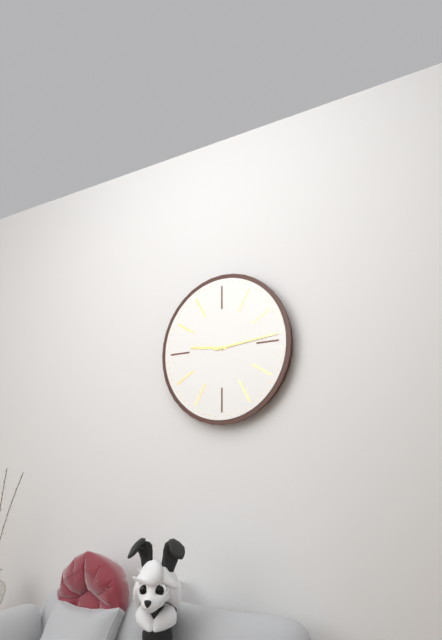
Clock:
9.14
